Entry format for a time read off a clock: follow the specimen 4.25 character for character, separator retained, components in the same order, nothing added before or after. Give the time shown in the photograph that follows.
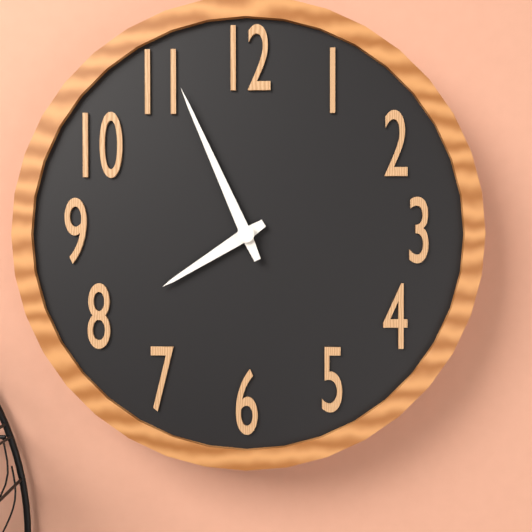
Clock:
7.56
